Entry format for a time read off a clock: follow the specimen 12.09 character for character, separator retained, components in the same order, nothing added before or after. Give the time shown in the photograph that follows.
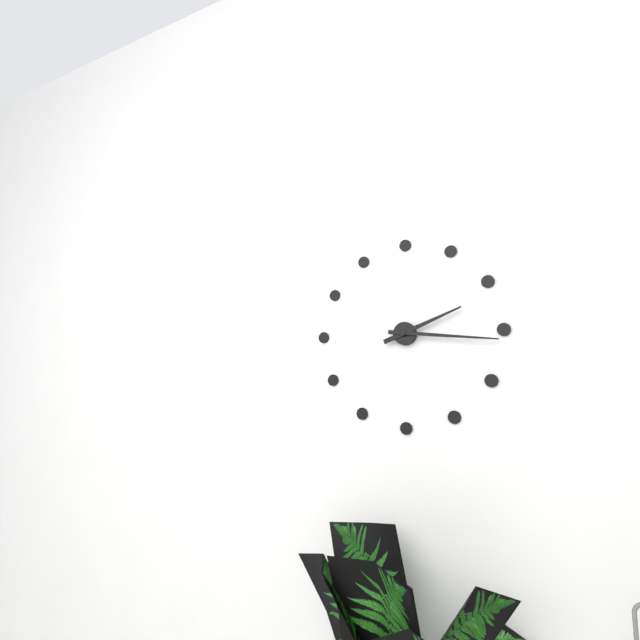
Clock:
2.16
